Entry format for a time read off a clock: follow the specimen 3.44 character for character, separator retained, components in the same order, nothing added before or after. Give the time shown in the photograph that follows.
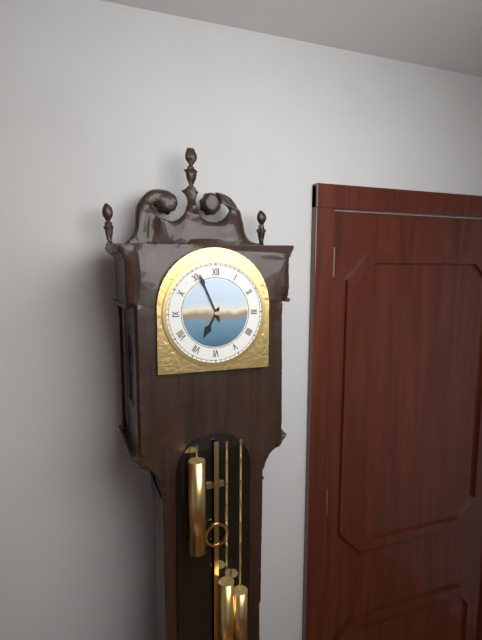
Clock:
6.56
